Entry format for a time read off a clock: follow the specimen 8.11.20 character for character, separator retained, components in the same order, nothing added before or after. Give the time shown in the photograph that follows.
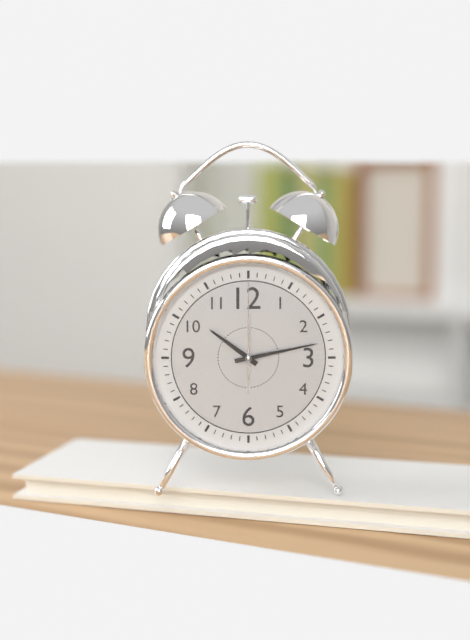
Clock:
10.13.00
